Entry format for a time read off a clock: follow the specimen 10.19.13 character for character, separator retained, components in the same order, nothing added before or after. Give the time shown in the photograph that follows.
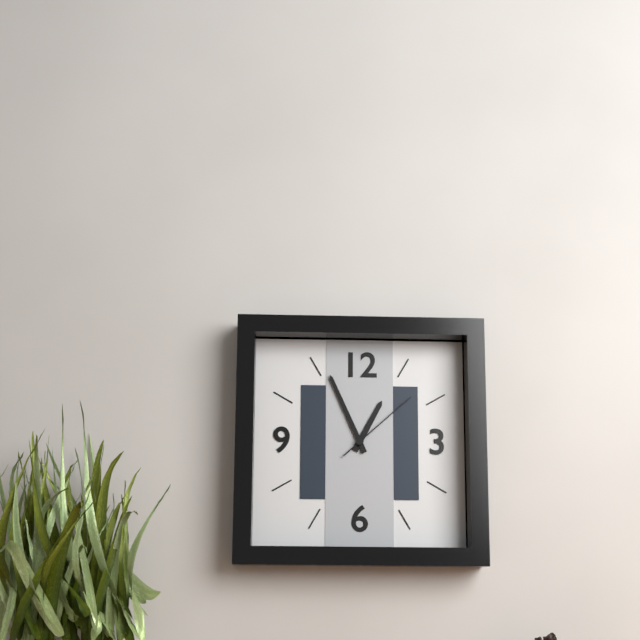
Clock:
12.56.08
